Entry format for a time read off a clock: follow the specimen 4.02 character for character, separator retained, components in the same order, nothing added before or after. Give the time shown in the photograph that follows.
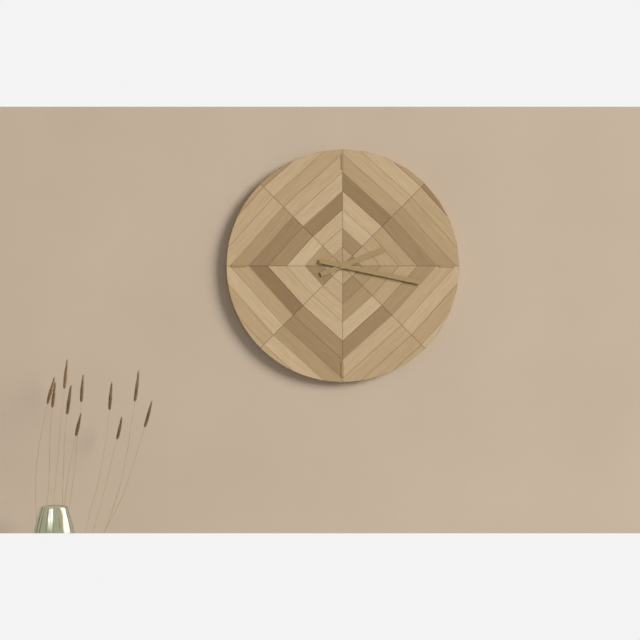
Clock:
2.17
